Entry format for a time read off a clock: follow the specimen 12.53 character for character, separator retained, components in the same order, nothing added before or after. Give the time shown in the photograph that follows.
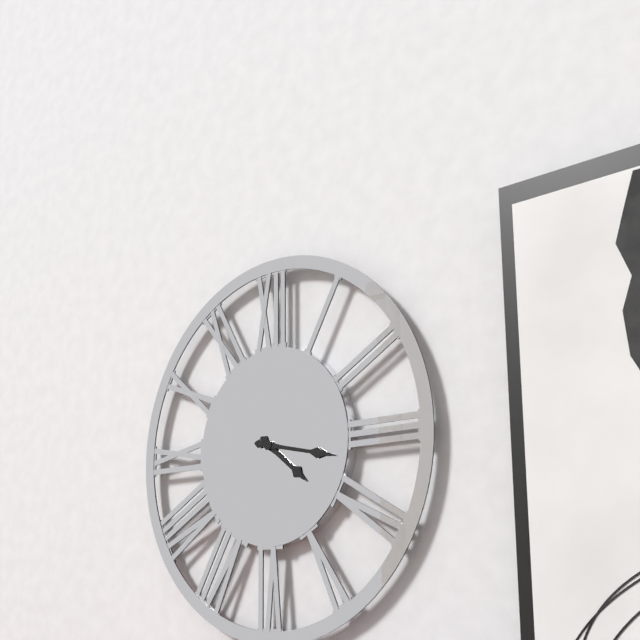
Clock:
4.17
